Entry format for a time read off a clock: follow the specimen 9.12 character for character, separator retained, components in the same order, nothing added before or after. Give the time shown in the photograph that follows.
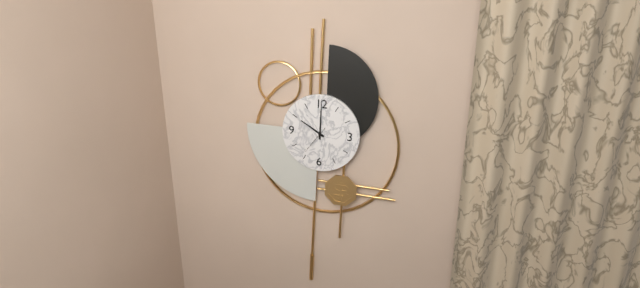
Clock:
10.00
